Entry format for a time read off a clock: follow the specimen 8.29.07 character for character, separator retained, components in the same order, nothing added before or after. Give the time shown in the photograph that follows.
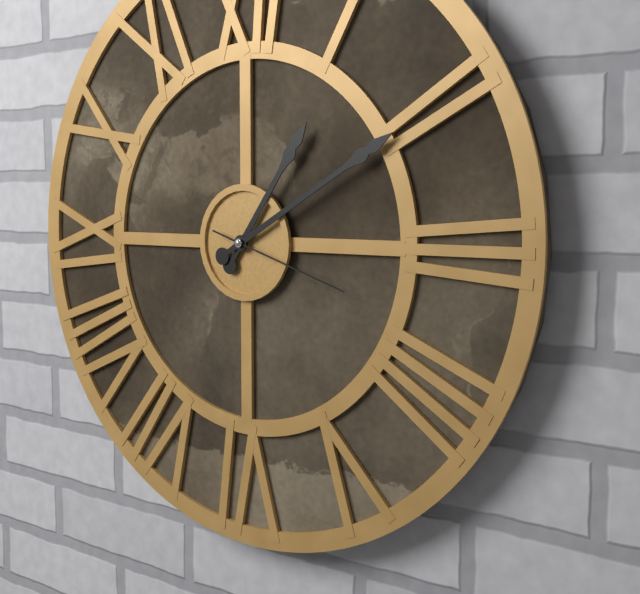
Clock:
1.10.18
